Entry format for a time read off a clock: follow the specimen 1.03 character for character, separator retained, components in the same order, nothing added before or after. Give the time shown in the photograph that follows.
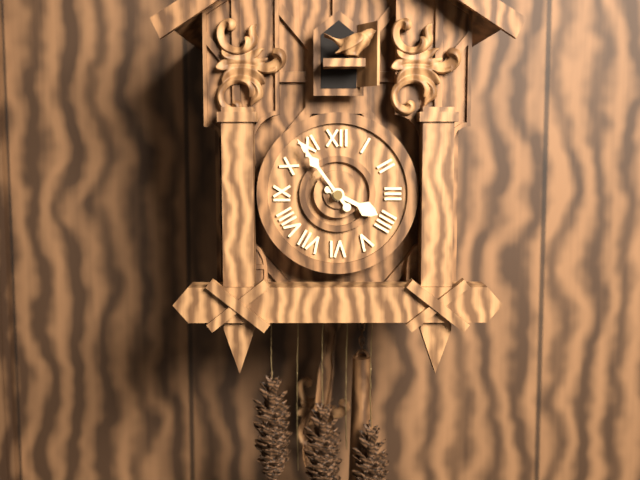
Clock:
3.54
